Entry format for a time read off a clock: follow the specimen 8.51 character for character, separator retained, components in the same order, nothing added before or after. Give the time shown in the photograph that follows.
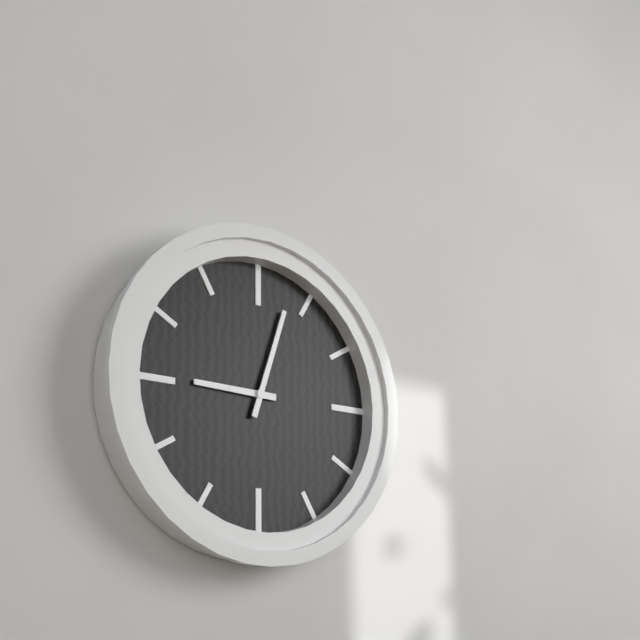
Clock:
9.03
